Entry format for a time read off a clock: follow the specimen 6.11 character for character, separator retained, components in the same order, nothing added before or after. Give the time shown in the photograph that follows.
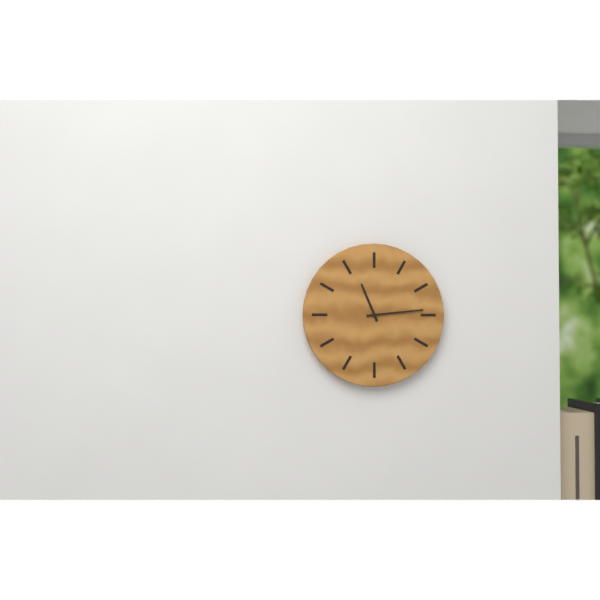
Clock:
11.14
